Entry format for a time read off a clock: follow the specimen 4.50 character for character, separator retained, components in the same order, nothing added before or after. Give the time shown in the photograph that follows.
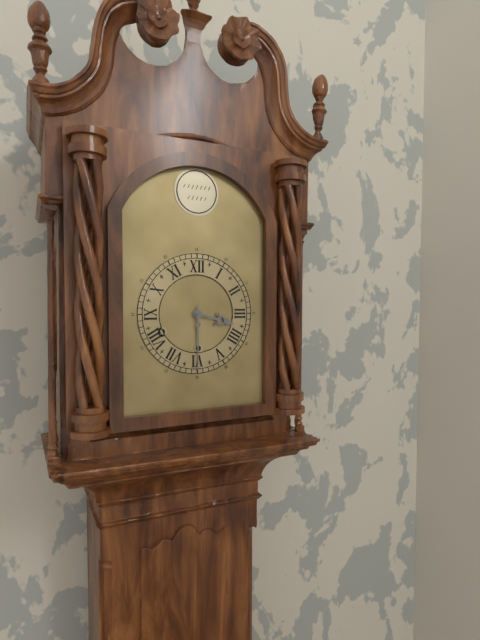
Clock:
3.30
